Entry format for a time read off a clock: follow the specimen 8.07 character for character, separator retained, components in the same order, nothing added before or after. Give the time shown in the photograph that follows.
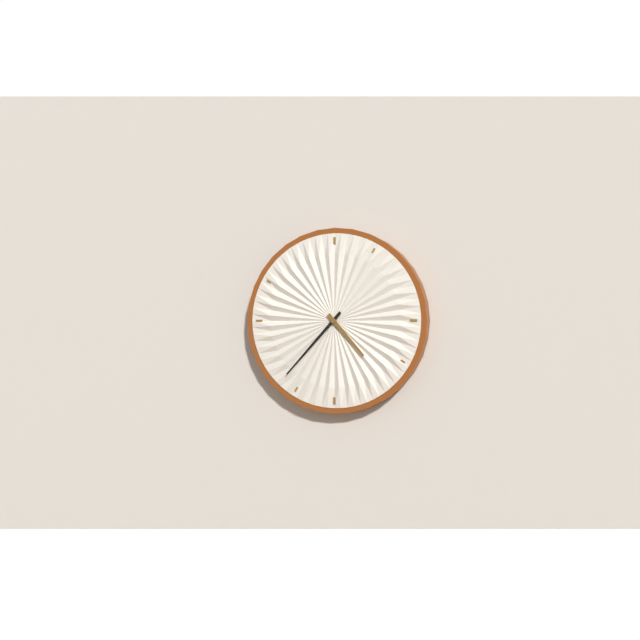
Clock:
4.37
